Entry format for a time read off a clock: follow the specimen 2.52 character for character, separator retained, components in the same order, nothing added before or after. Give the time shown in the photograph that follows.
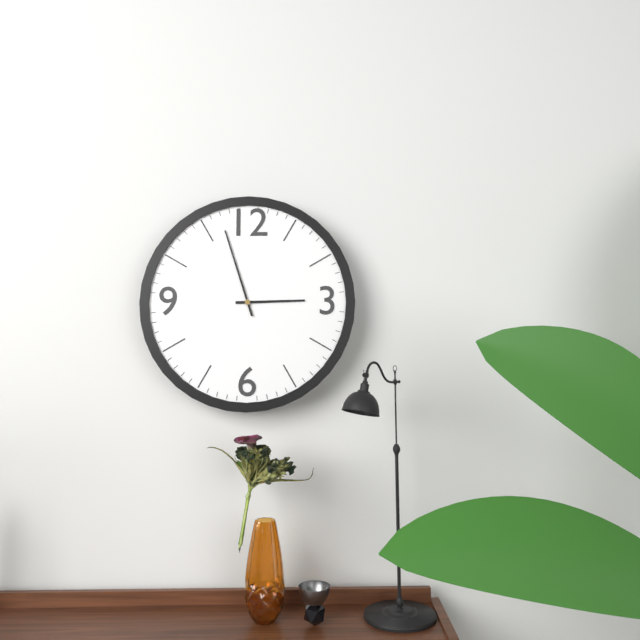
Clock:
2.57
